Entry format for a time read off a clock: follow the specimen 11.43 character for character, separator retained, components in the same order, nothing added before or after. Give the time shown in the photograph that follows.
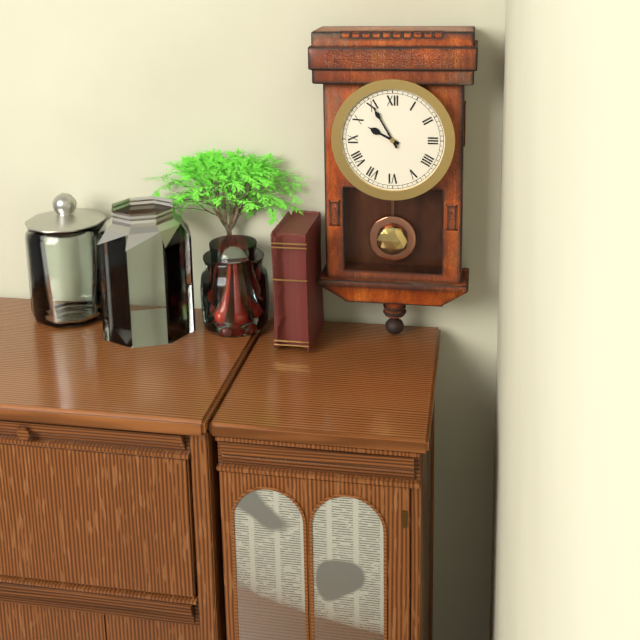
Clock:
9.55
